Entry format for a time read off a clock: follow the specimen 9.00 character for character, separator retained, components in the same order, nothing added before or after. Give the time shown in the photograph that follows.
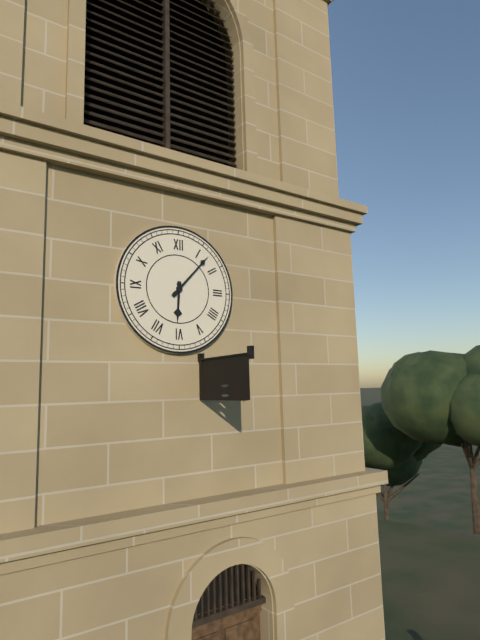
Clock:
6.07
